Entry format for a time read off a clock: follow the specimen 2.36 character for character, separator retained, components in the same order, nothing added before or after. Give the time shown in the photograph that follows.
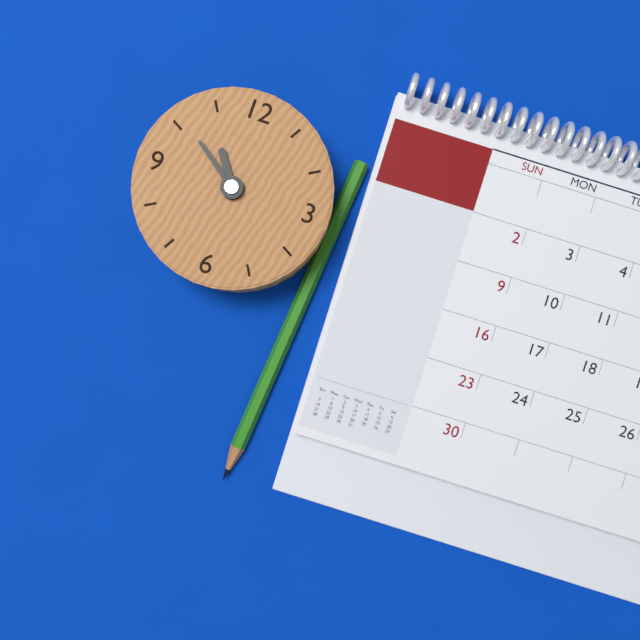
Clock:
10.51
